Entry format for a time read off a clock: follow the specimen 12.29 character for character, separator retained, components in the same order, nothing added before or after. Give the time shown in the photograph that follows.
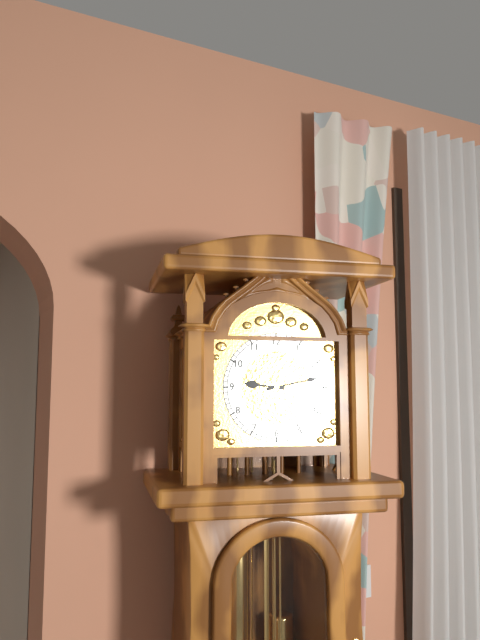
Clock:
9.13
